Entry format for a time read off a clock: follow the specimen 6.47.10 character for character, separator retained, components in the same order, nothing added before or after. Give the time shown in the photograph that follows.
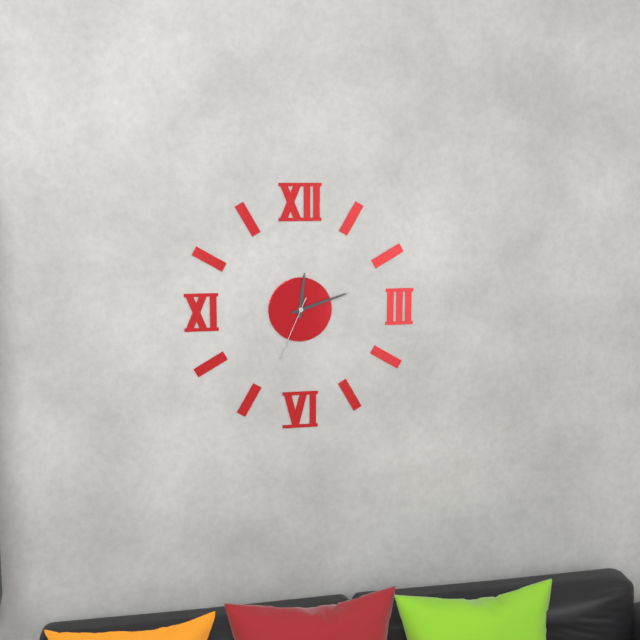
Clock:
12.12.34
